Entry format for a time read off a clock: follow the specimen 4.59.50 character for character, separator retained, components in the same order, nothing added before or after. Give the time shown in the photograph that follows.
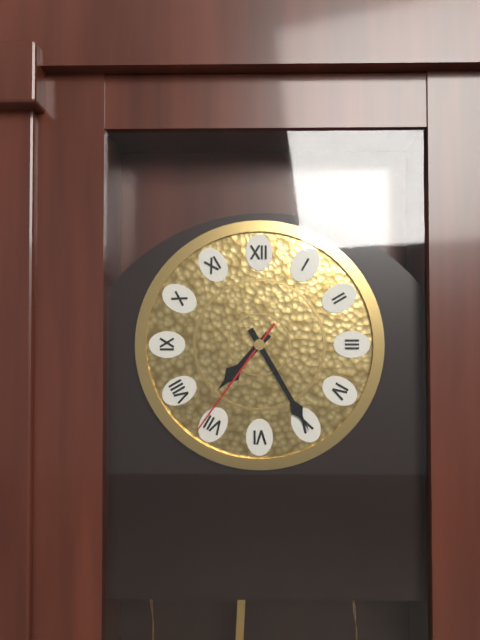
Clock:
7.25.36
